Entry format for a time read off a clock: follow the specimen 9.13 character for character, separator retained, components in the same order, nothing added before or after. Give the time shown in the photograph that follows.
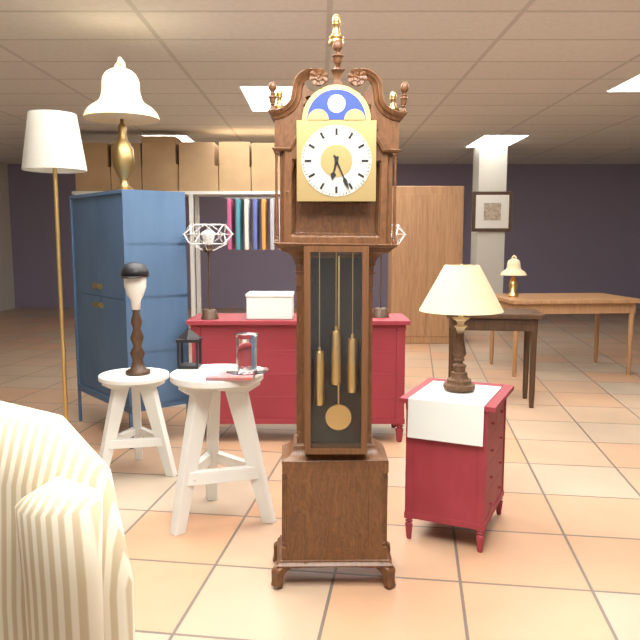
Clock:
6.26
